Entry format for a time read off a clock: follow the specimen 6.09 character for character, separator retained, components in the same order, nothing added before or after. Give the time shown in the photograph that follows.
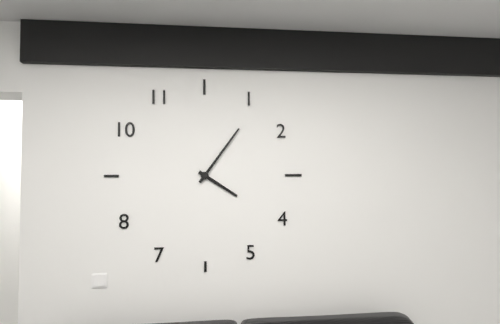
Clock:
4.06
